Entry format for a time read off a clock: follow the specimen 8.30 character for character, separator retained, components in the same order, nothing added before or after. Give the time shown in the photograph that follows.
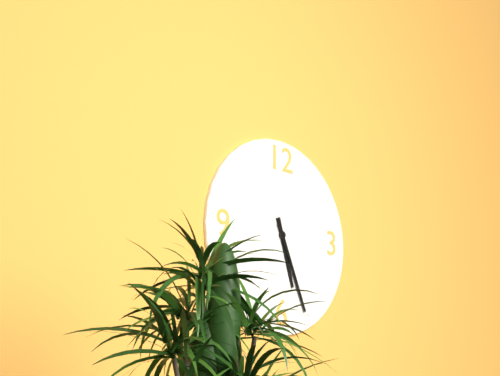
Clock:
5.26
